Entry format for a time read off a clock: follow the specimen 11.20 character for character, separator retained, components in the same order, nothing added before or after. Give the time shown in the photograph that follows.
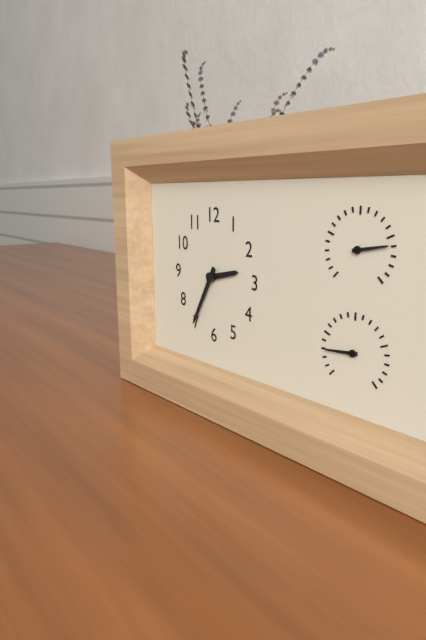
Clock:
2.35
